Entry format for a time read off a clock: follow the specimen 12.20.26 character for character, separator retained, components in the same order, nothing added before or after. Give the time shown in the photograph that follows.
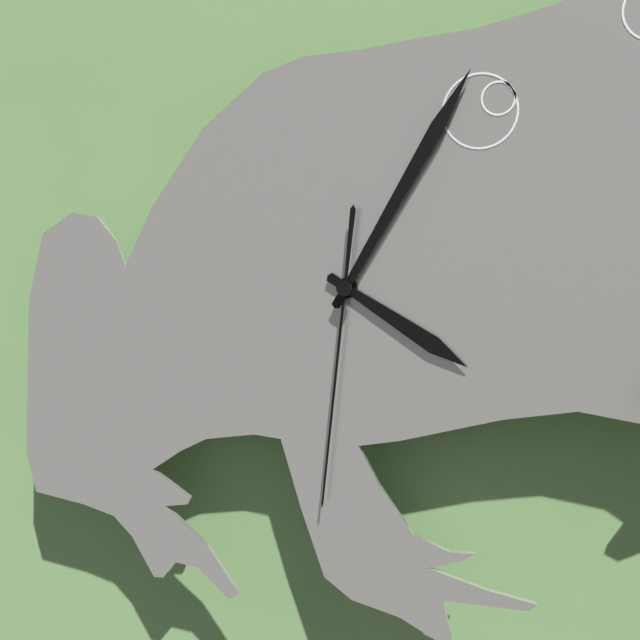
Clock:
4.05.31
